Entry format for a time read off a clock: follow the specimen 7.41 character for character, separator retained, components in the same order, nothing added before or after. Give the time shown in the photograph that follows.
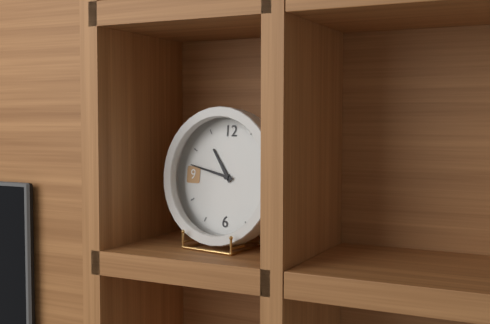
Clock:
10.47
